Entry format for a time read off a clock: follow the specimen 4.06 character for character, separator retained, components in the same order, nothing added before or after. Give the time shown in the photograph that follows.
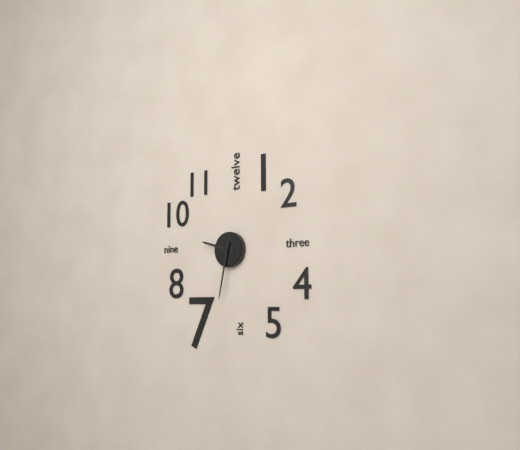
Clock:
9.32
